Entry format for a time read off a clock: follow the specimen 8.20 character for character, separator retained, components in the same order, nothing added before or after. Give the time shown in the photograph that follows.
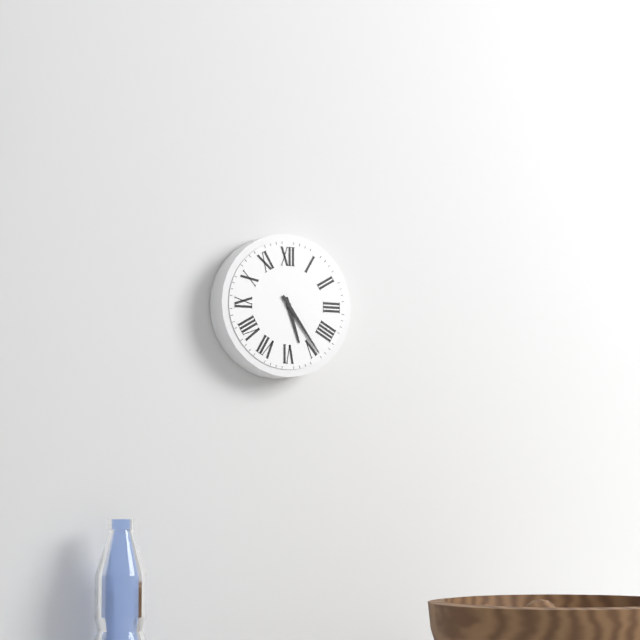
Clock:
5.24
